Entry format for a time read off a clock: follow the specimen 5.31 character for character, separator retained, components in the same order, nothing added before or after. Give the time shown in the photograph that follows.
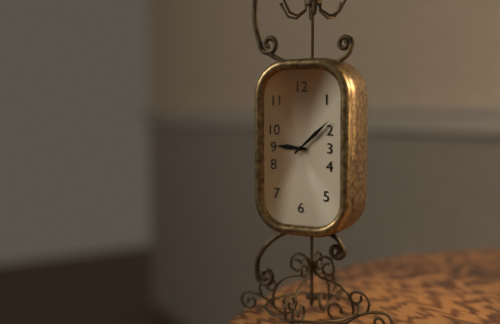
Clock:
9.08
